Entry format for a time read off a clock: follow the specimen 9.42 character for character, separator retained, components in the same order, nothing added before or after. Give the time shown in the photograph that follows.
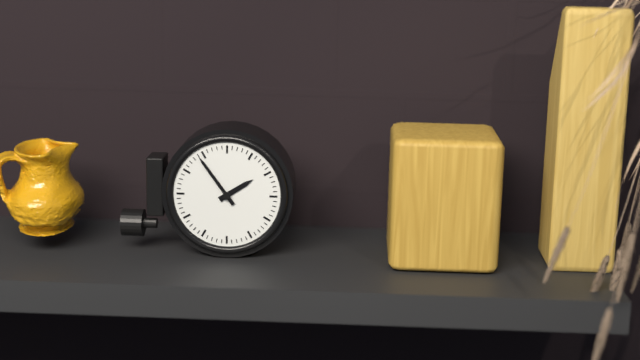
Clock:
1.54
